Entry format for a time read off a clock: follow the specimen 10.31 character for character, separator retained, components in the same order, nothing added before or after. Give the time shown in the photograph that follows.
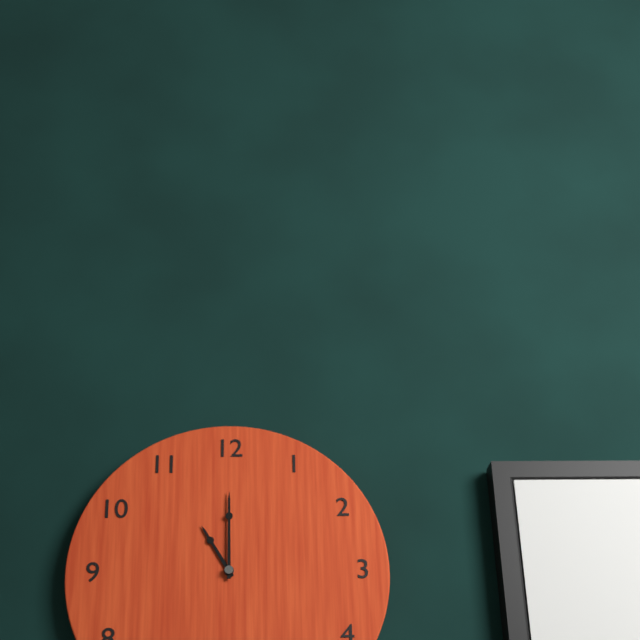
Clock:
11.00
